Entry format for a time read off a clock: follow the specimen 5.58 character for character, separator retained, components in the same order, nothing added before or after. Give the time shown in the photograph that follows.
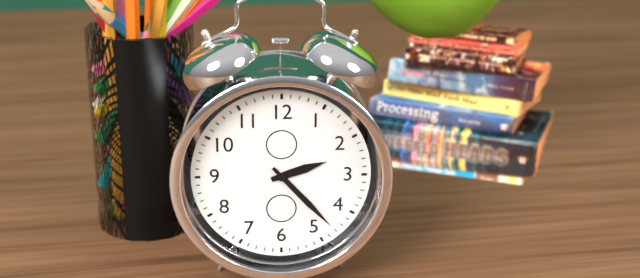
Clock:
2.23
